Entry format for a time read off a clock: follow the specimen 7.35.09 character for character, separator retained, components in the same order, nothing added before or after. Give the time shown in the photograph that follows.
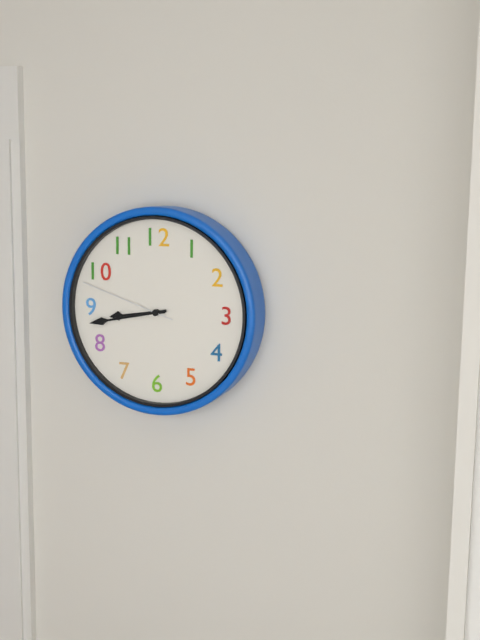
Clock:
8.43.48
